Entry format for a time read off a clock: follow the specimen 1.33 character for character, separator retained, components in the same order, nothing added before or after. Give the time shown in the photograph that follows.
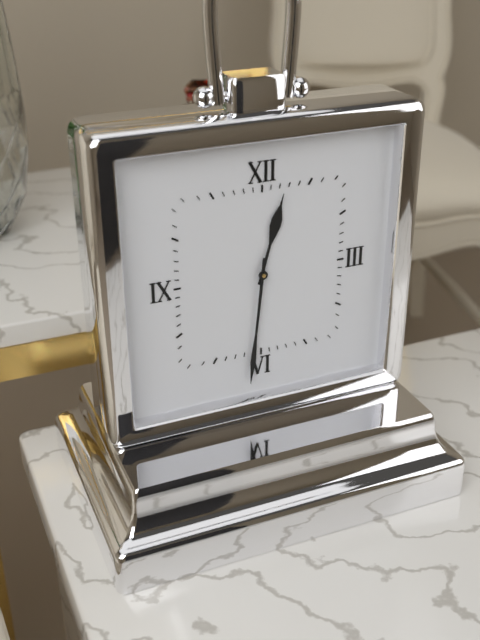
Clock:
12.31
